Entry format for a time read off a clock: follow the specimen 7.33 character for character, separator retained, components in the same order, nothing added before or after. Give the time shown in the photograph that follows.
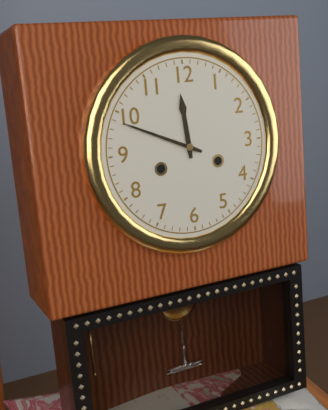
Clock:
11.49
